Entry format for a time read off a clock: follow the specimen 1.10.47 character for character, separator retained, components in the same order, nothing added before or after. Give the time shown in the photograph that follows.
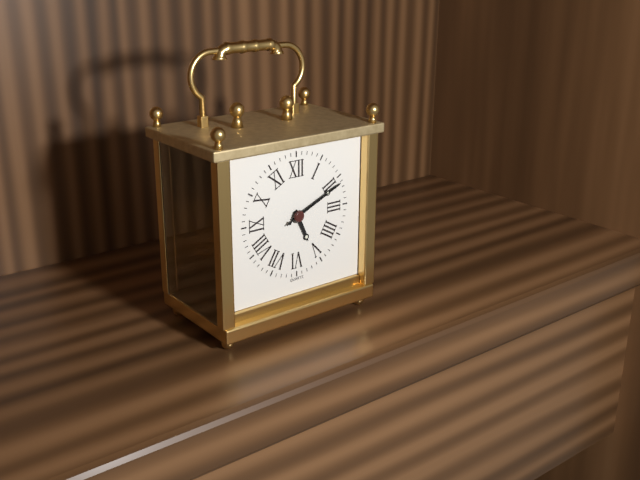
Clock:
5.11.11
